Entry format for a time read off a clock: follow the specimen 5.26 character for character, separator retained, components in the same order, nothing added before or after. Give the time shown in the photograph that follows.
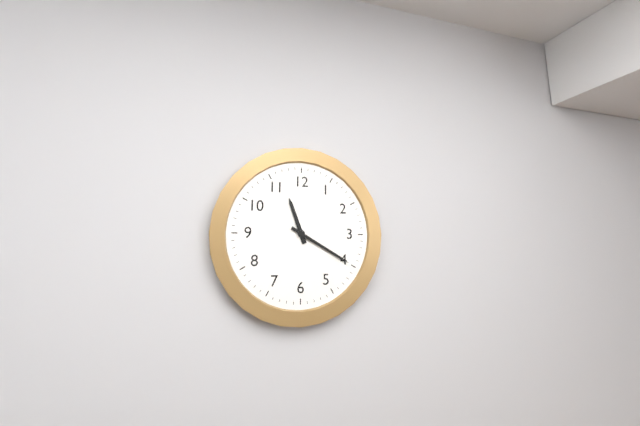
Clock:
11.20
